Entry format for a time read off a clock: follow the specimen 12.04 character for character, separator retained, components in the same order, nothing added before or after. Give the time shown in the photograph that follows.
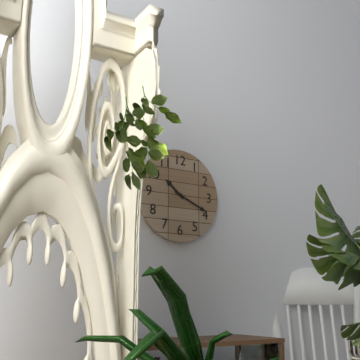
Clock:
10.19
